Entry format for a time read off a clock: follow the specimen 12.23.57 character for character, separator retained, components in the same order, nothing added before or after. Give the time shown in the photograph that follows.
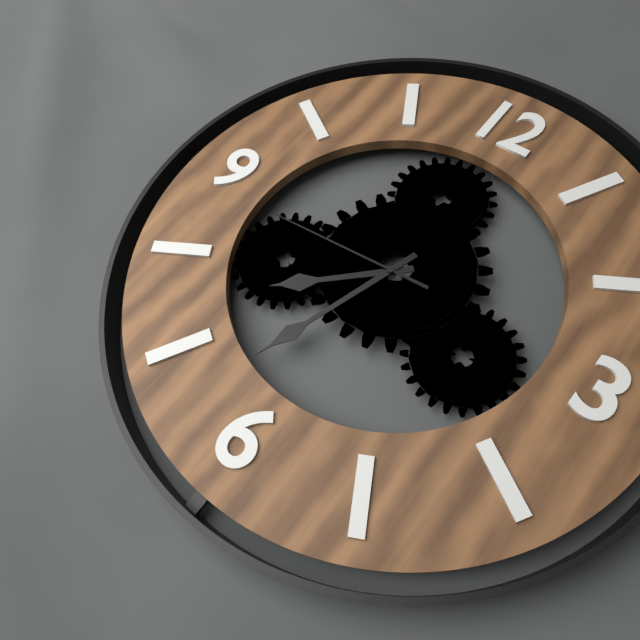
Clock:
7.33.44
